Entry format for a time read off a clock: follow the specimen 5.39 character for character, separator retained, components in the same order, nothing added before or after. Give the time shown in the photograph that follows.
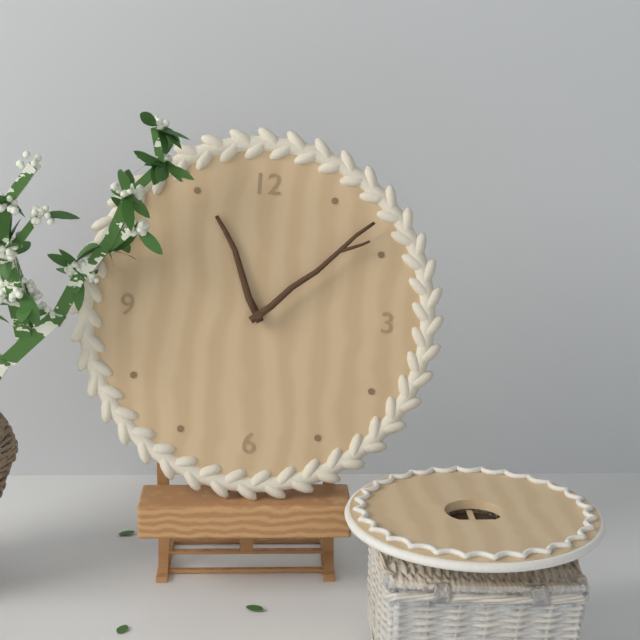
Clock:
11.08
